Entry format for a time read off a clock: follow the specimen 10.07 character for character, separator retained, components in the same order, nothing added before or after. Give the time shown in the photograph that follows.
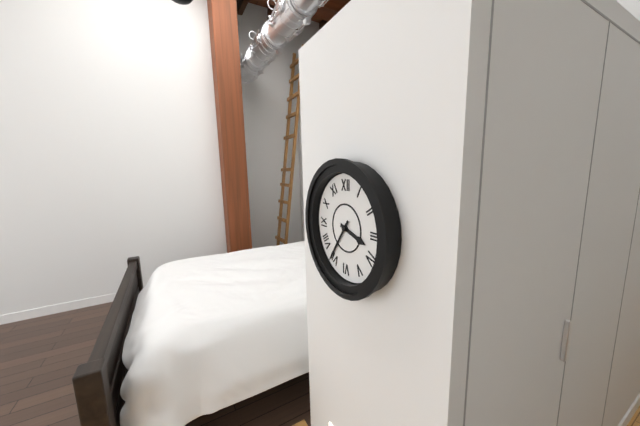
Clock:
3.36
